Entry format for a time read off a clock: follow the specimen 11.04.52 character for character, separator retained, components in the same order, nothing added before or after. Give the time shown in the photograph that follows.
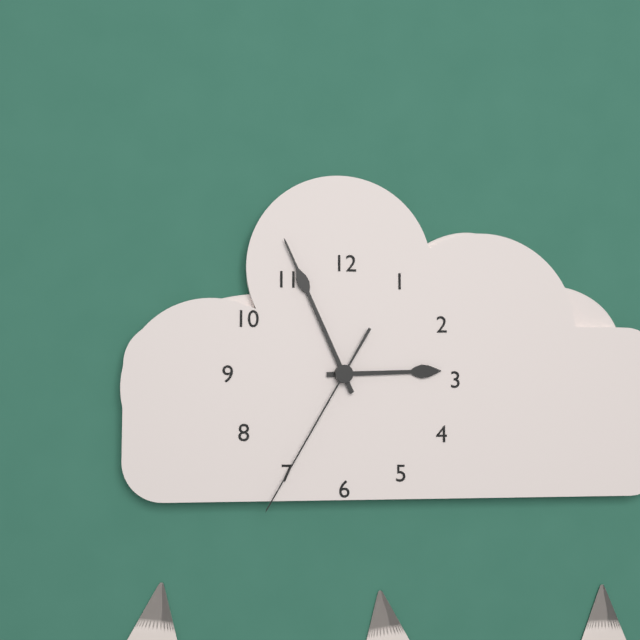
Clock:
2.56.35
